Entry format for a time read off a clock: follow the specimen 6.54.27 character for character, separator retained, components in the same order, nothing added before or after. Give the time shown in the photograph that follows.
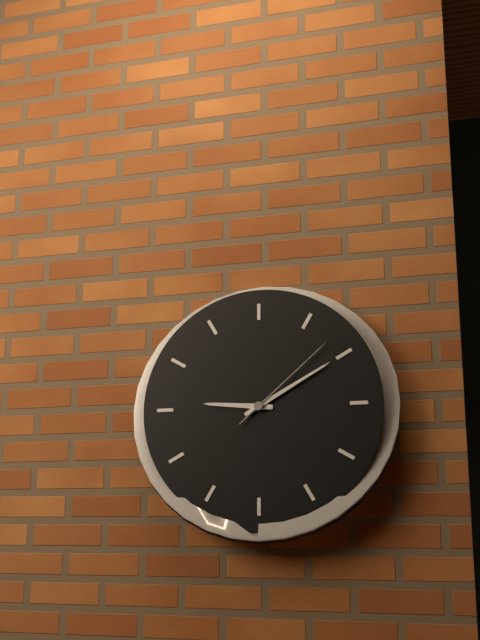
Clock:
9.10.08
